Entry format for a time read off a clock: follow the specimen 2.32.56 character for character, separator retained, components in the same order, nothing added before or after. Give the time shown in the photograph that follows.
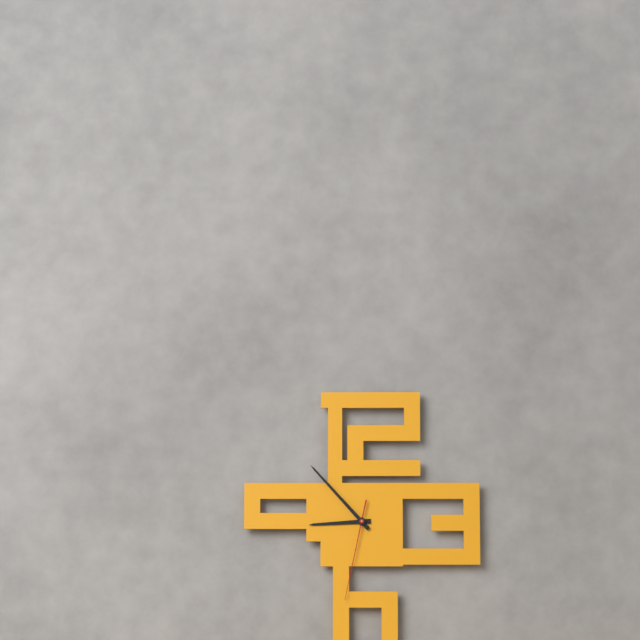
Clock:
8.53.32
